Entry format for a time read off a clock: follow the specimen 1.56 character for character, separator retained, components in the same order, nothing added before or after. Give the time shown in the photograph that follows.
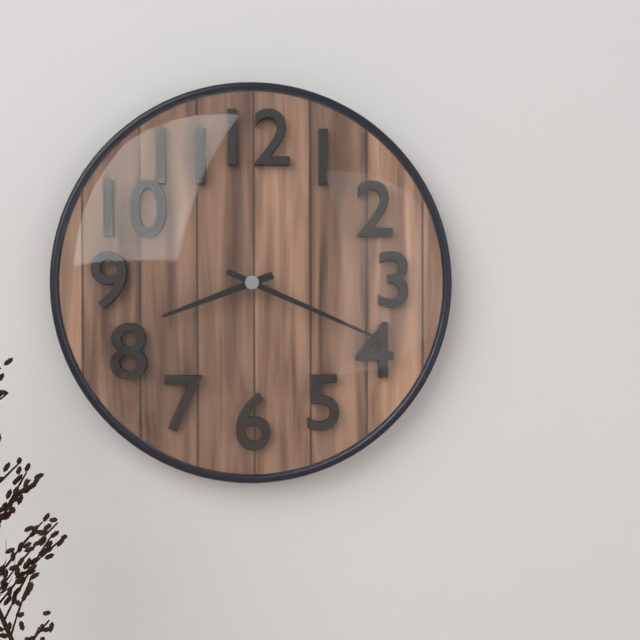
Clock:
8.19
